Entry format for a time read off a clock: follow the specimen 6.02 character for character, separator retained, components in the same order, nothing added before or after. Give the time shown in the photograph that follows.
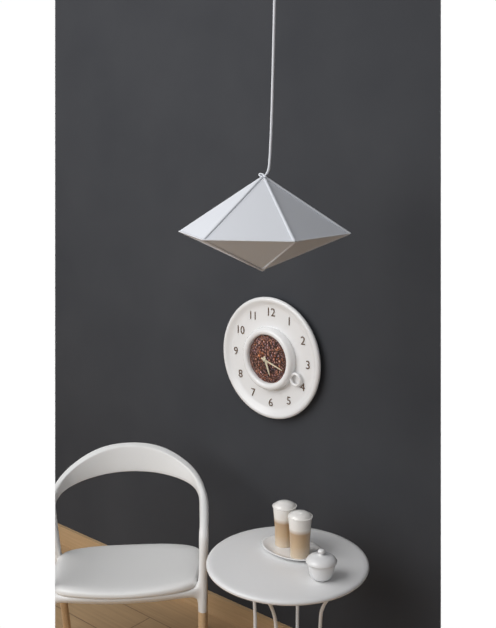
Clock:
5.18
